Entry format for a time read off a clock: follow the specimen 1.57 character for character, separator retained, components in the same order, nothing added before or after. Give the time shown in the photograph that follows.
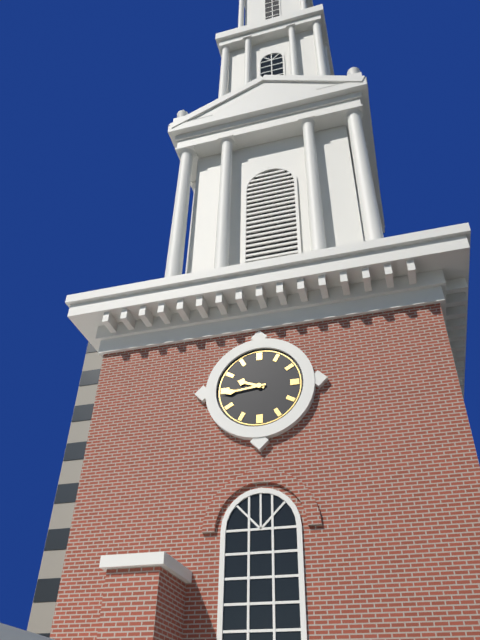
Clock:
9.44
